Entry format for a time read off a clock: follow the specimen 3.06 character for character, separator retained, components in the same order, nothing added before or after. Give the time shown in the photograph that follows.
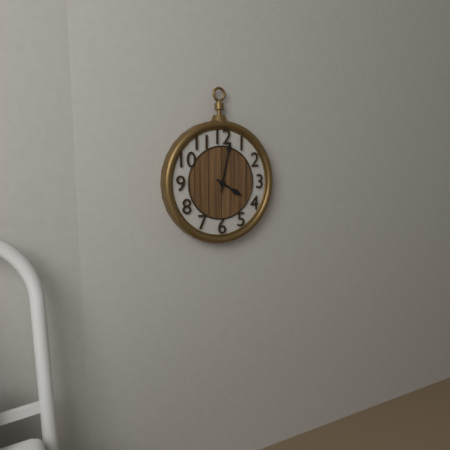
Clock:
4.02
